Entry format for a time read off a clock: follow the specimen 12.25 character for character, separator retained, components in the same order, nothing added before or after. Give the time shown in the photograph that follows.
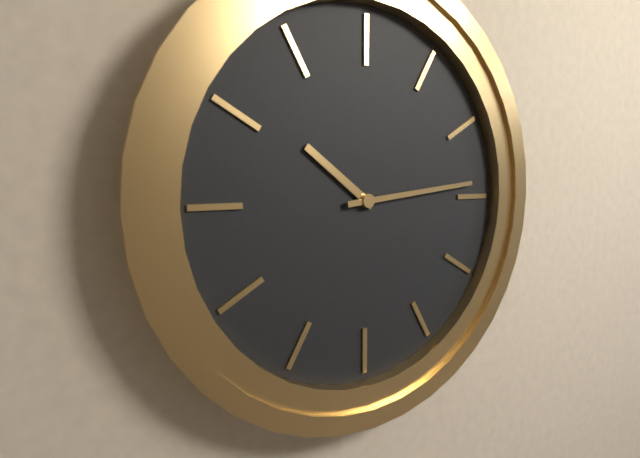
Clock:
10.14
